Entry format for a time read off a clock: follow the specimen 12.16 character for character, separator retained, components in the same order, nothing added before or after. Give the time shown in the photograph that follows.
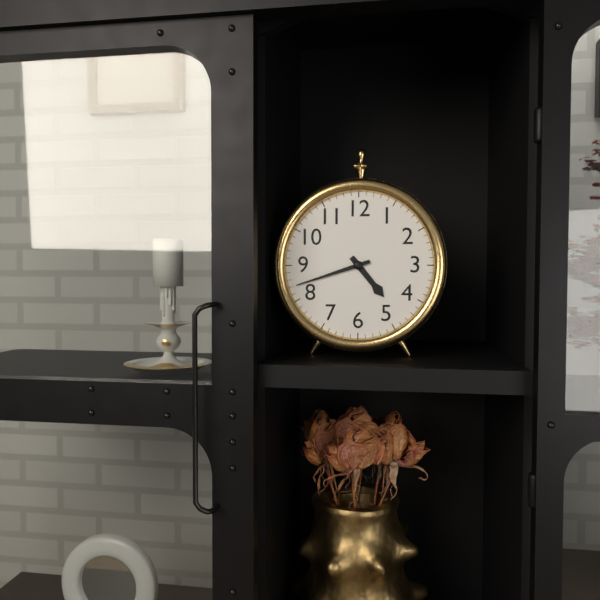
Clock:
4.42
